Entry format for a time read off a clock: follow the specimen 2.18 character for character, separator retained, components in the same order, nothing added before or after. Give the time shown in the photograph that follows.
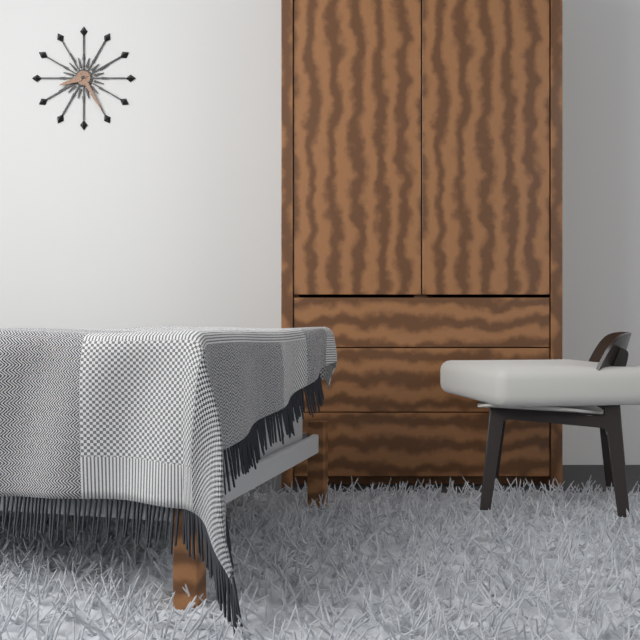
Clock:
8.25
